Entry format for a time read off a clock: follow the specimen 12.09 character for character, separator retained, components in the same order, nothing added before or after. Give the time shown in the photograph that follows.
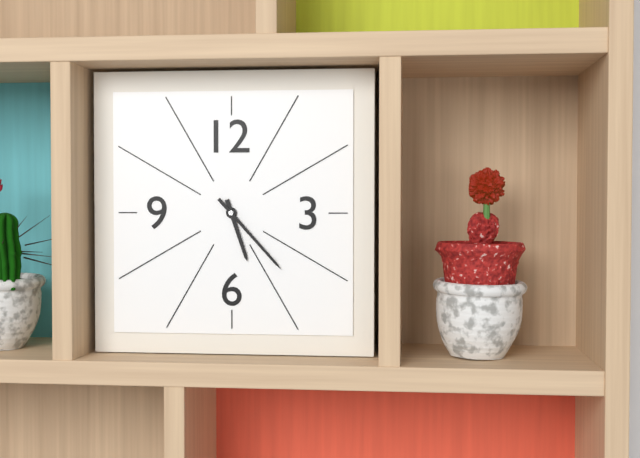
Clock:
5.23
